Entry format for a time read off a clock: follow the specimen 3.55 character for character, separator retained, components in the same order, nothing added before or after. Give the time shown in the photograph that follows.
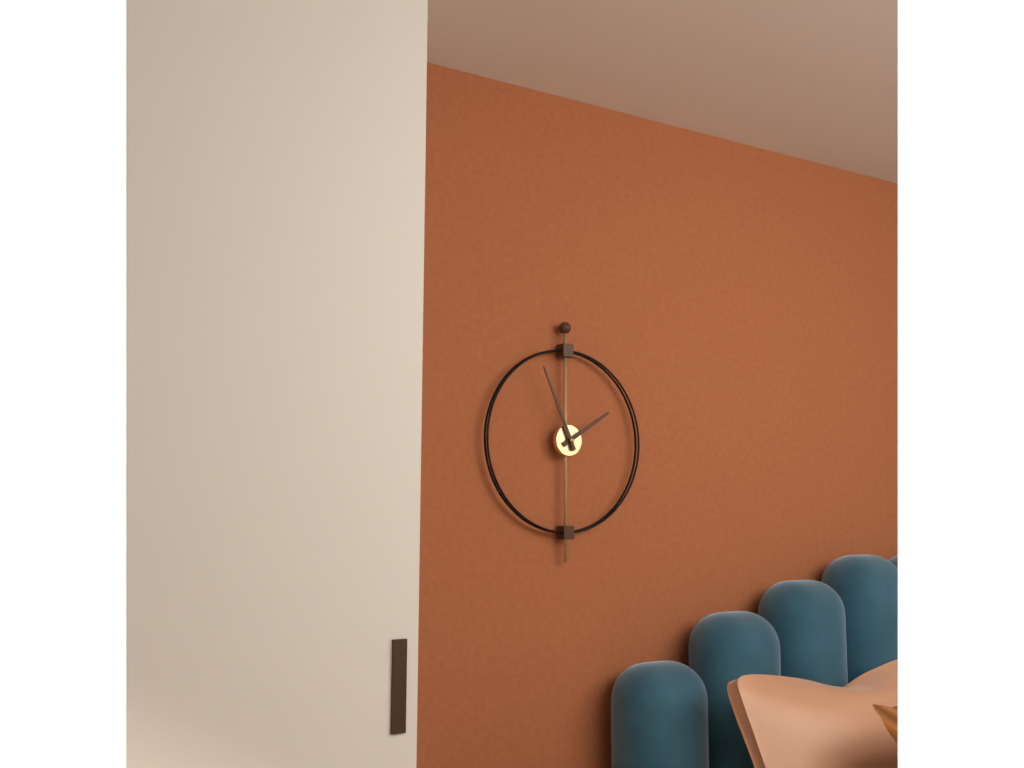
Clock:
1.56
